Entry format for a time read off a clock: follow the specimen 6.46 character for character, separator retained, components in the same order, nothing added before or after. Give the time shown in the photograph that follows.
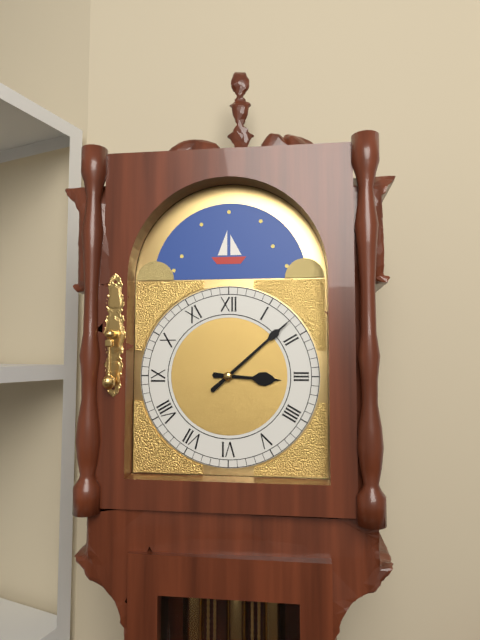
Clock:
3.08
